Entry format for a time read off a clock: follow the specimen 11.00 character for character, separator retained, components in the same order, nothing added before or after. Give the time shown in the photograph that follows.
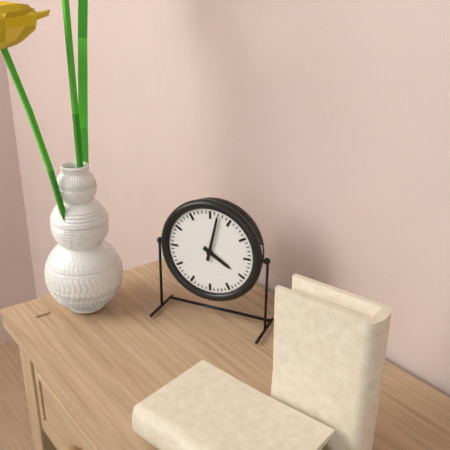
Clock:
4.02
